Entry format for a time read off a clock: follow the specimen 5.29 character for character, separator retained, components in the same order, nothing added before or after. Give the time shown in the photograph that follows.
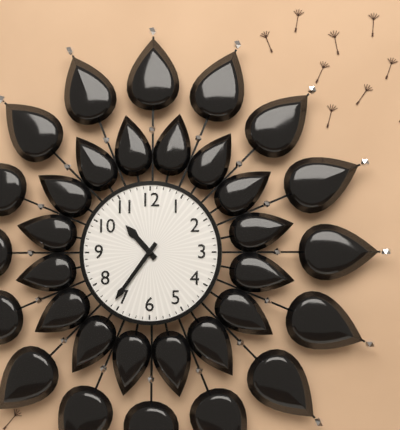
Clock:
10.36
